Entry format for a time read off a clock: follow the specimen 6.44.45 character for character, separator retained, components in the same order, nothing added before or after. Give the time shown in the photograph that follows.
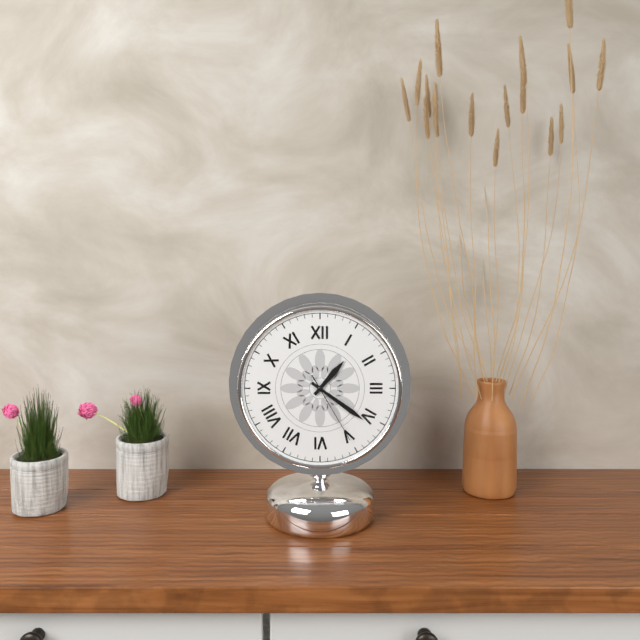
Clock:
1.21.25
